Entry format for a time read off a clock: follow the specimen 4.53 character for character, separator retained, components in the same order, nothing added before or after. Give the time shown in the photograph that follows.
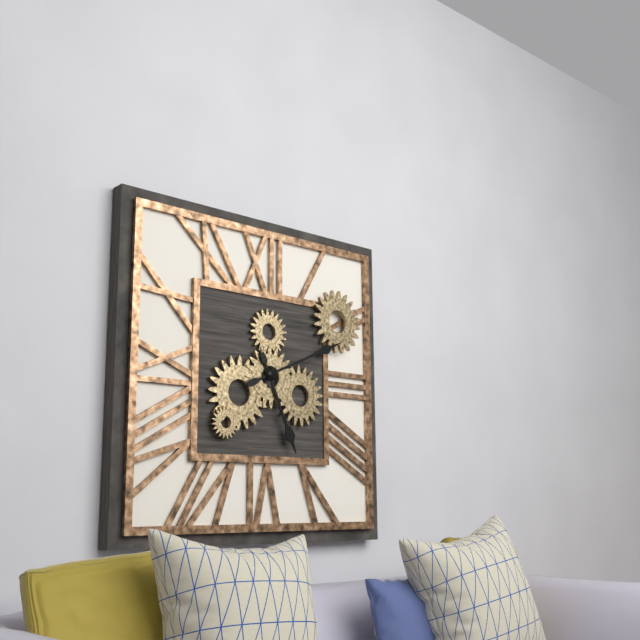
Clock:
5.11
